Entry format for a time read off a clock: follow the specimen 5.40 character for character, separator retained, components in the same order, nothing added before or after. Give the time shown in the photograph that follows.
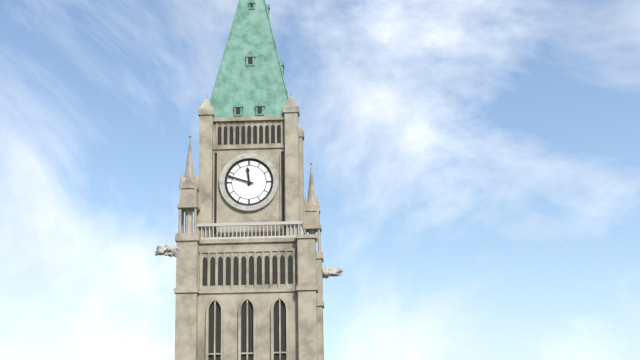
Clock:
11.48
